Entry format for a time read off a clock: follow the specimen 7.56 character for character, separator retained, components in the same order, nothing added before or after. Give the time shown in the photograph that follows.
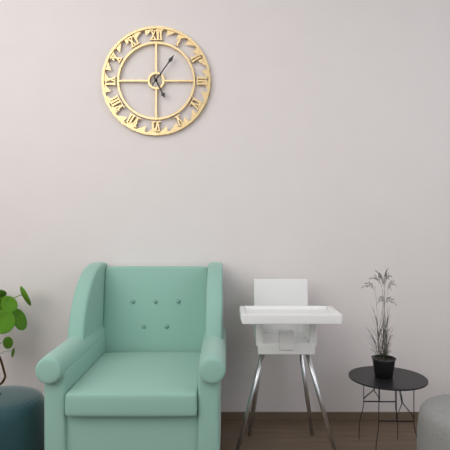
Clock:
5.06
